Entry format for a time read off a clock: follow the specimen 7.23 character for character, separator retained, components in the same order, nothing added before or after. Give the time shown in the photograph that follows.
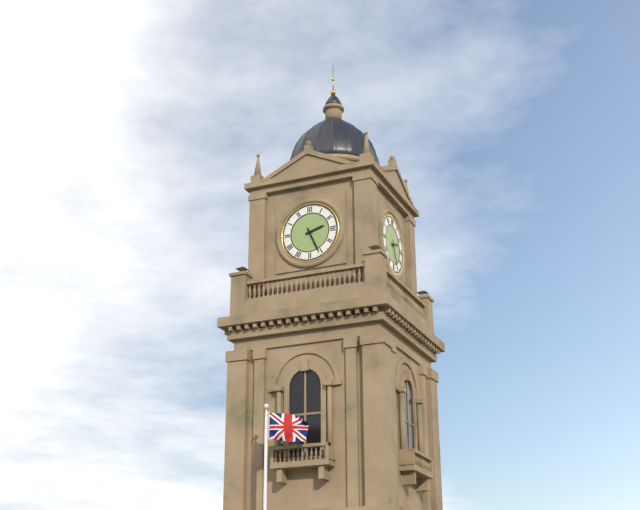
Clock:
2.26
